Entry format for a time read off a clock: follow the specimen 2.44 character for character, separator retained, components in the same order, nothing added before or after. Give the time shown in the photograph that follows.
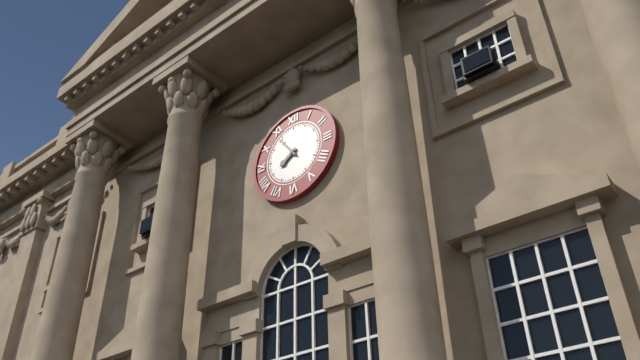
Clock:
7.54
